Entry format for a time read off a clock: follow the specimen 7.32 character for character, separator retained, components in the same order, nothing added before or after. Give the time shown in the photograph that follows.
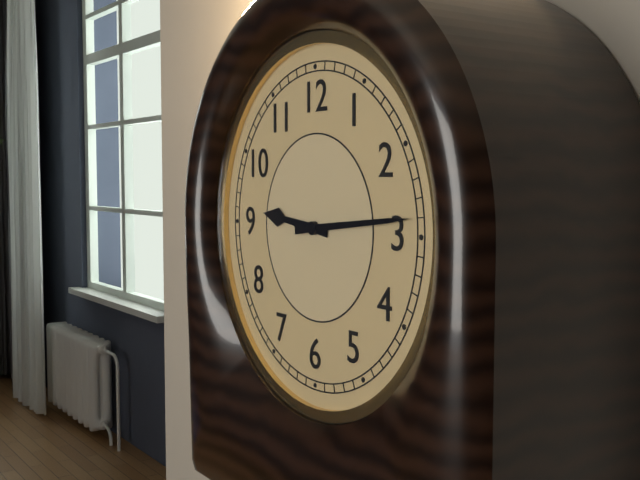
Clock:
9.14
